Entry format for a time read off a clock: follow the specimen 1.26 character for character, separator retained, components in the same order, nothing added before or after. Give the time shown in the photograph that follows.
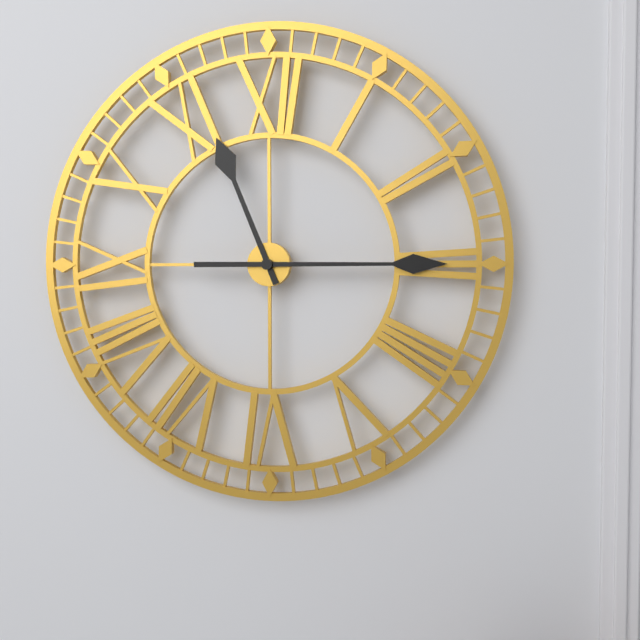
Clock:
11.15
